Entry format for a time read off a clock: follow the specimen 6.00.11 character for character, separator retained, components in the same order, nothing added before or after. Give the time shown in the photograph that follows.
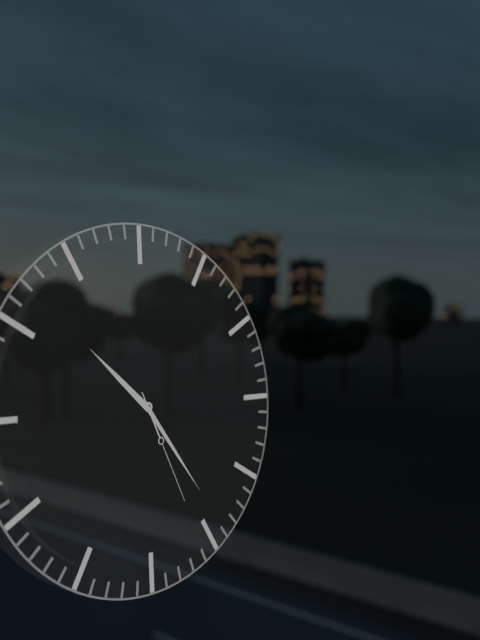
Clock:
10.24.26
